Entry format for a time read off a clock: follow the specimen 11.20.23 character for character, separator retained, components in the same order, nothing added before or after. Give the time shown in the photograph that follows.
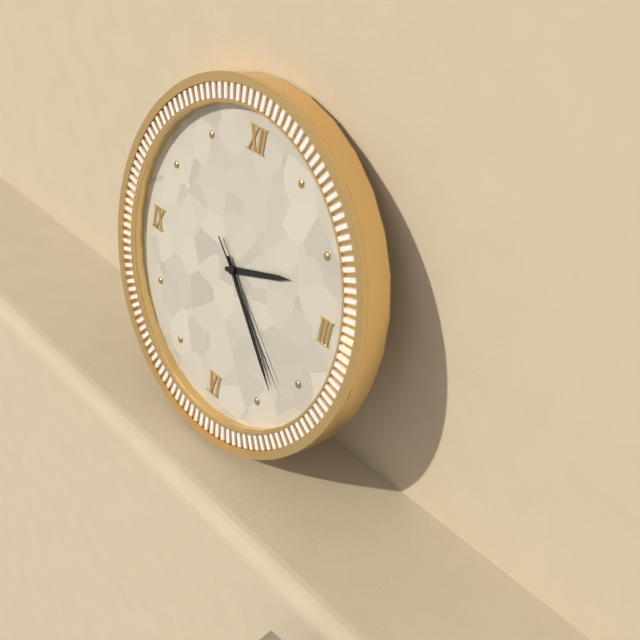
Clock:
2.23.22
